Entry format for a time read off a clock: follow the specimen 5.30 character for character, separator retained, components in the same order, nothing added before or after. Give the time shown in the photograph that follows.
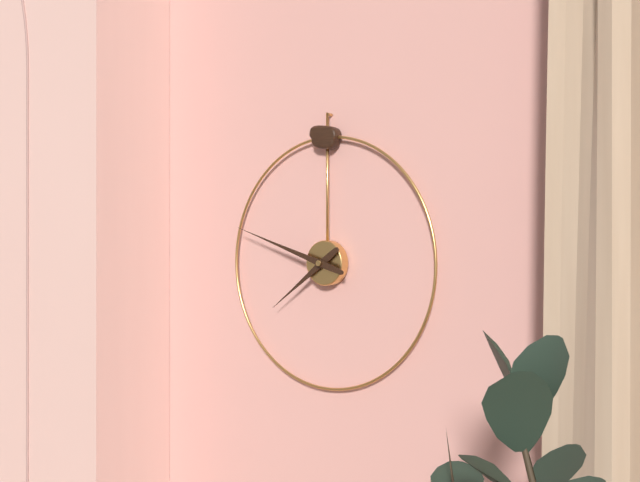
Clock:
7.48
